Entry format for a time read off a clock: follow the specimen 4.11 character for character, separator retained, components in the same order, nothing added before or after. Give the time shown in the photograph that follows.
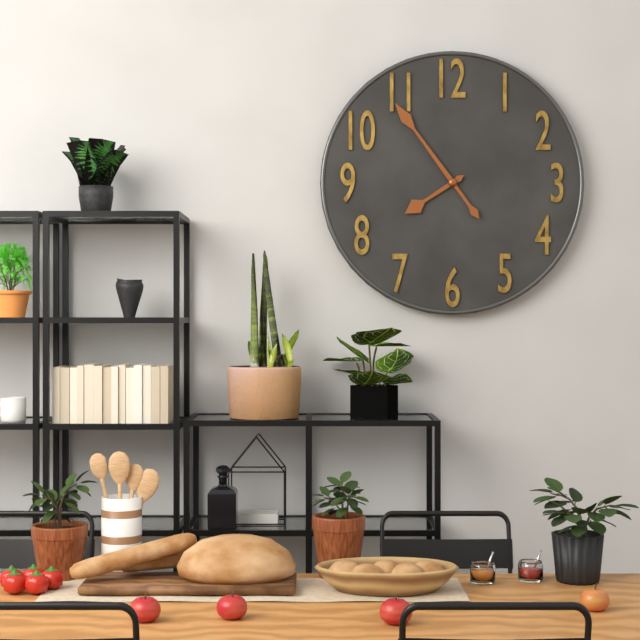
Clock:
7.54
